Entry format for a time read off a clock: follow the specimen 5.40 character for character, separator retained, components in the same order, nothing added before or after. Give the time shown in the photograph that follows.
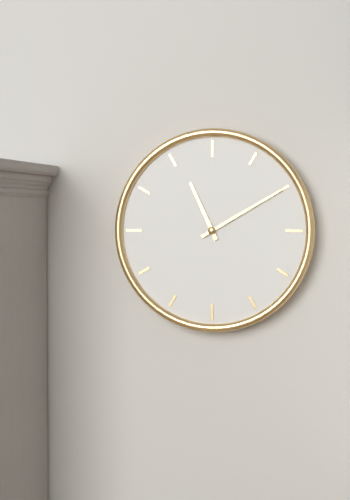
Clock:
11.10
